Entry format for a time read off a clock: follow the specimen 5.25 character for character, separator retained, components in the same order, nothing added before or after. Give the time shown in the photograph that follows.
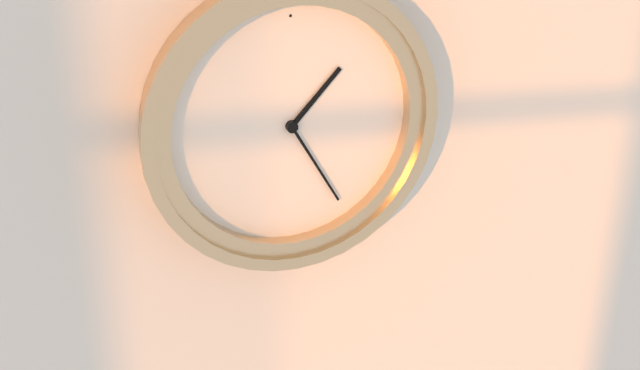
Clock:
1.25
